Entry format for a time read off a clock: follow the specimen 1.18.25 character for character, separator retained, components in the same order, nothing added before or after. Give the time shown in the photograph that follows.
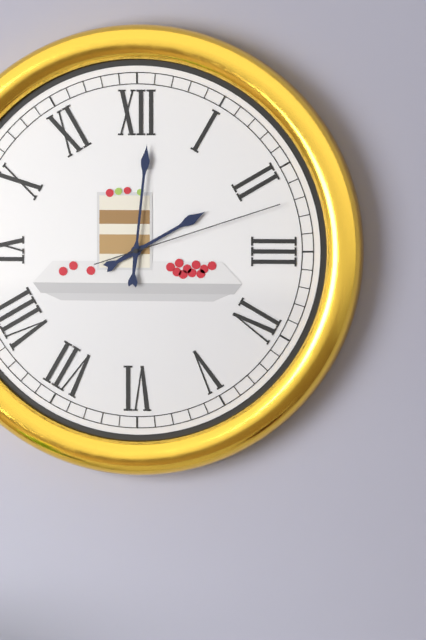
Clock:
2.01.12
